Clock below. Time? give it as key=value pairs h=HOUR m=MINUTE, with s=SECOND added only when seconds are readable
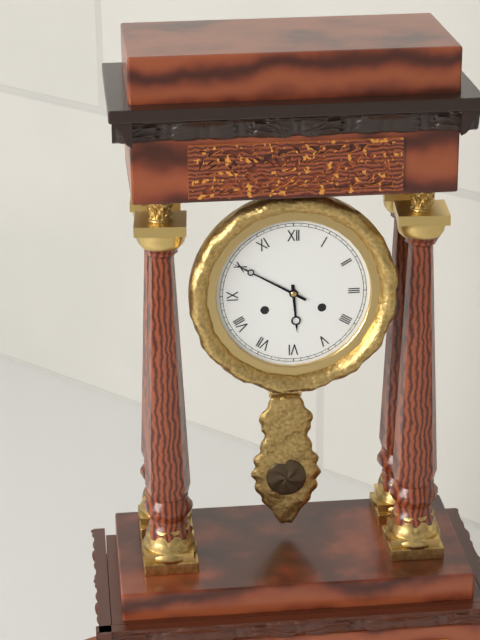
h=5 m=50
